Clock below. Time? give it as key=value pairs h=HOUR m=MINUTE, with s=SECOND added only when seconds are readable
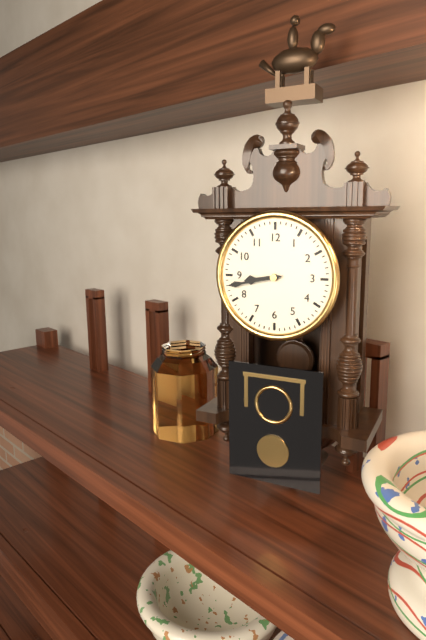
h=8 m=43
